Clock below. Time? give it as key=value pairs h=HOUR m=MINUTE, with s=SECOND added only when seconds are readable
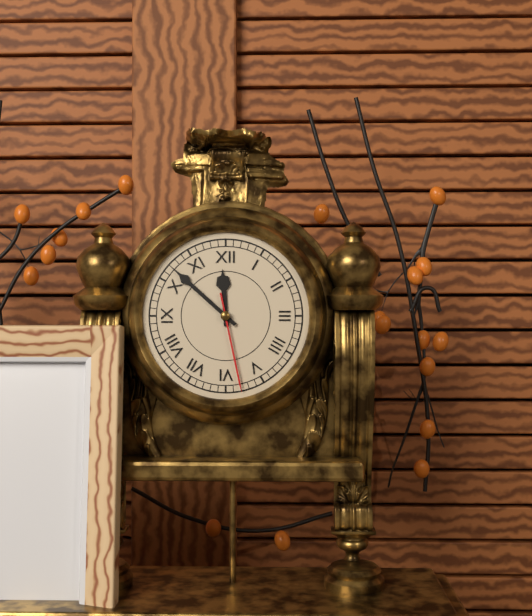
h=11 m=52 s=28
